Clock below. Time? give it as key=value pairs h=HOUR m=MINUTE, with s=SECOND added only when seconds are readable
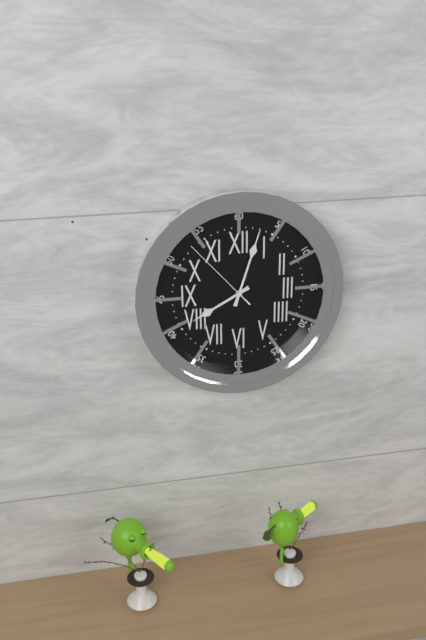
h=8 m=3 s=53
